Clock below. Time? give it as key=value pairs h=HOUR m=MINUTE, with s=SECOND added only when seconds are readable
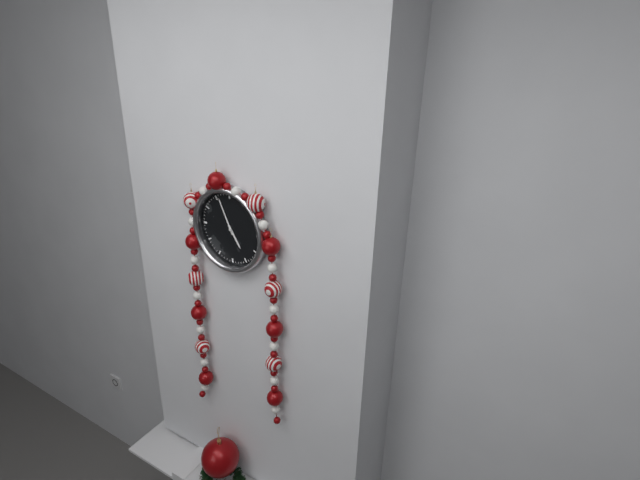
h=4 m=56
